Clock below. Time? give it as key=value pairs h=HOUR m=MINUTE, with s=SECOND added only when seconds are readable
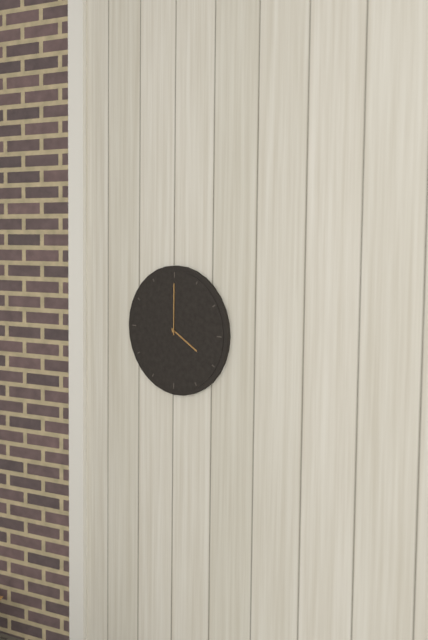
h=4 m=0
